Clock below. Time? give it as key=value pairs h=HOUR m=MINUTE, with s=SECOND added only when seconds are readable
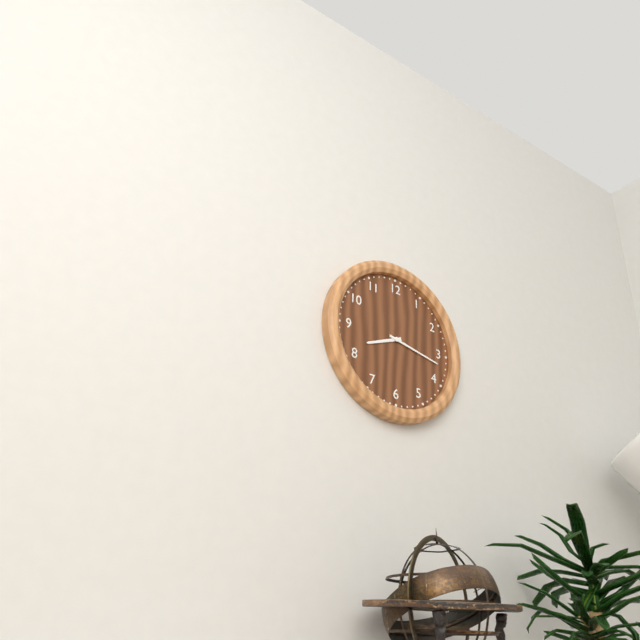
h=8 m=17
